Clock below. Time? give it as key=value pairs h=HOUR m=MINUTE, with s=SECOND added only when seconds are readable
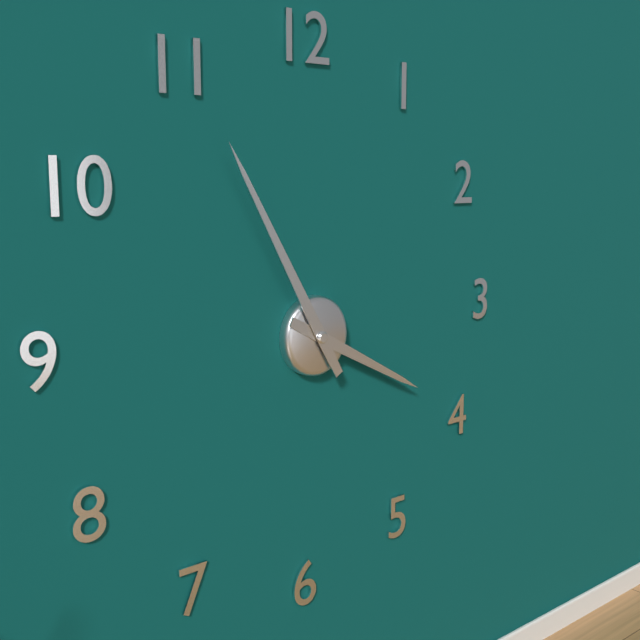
h=3 m=55
